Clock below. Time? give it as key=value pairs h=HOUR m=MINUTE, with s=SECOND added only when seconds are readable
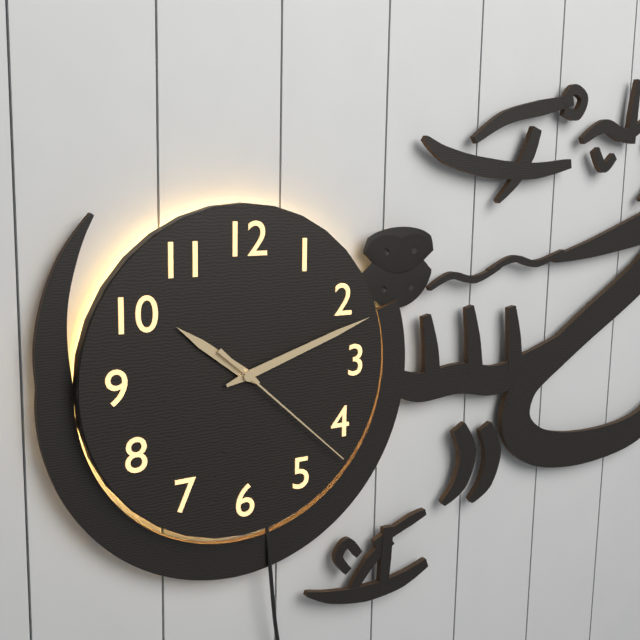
h=10 m=12 s=22
